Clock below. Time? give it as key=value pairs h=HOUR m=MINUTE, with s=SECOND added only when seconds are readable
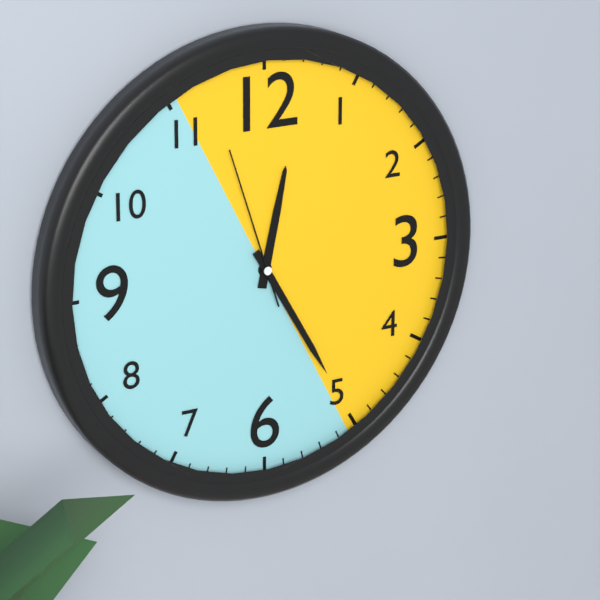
h=12 m=25 s=57
